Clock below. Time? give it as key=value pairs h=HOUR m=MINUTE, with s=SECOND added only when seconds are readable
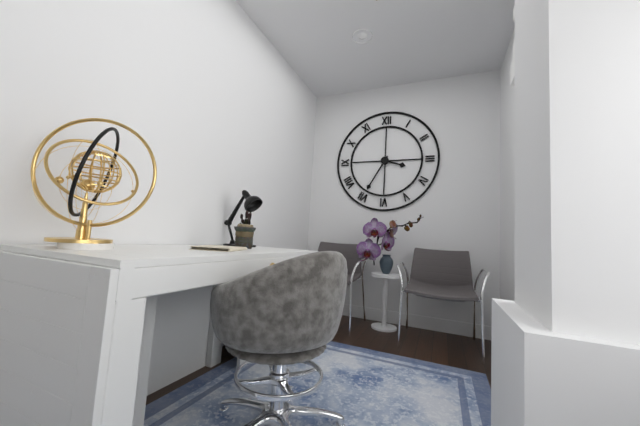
h=3 m=35
